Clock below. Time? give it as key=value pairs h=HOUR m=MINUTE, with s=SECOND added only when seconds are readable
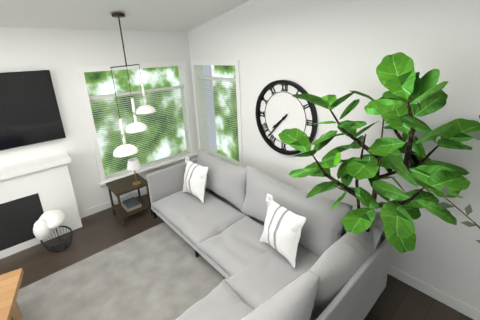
h=7 m=37
